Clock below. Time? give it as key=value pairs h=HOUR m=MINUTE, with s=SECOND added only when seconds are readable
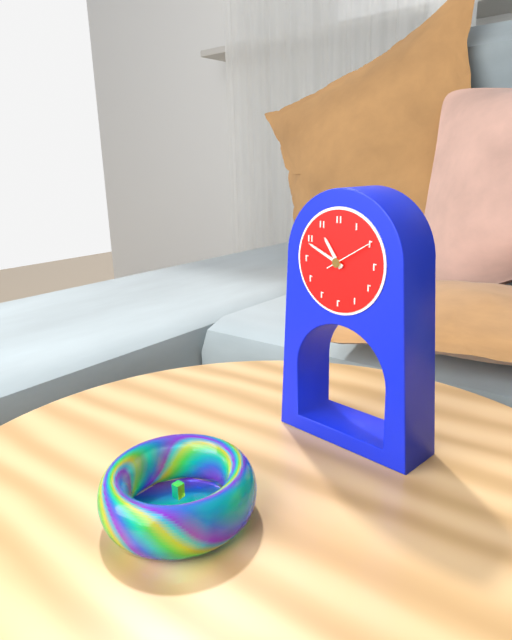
h=10 m=49 s=10
